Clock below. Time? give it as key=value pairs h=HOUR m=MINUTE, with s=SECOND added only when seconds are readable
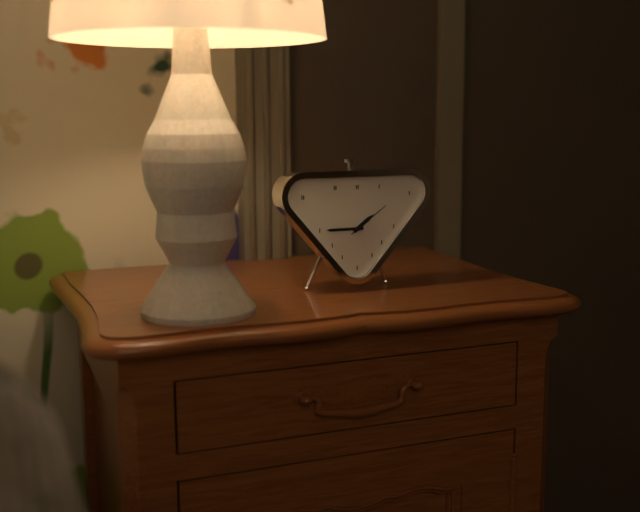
h=1 m=45
